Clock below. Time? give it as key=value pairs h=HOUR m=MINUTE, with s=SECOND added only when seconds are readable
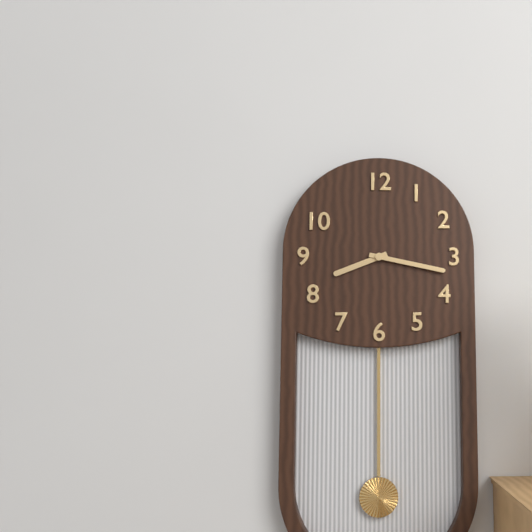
h=8 m=17
